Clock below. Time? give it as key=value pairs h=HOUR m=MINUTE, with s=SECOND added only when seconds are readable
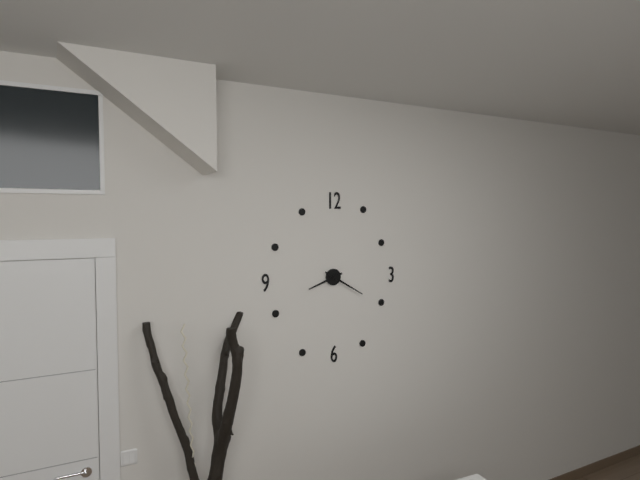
h=8 m=20
